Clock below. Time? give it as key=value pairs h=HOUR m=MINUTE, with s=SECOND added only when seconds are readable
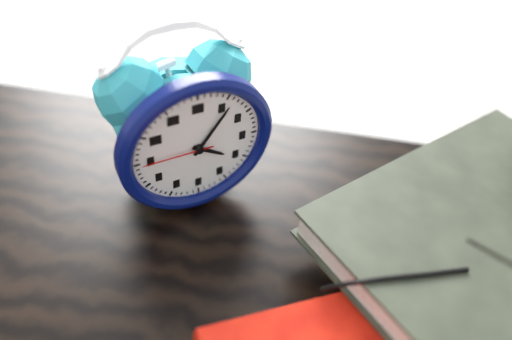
h=4 m=6 s=45
